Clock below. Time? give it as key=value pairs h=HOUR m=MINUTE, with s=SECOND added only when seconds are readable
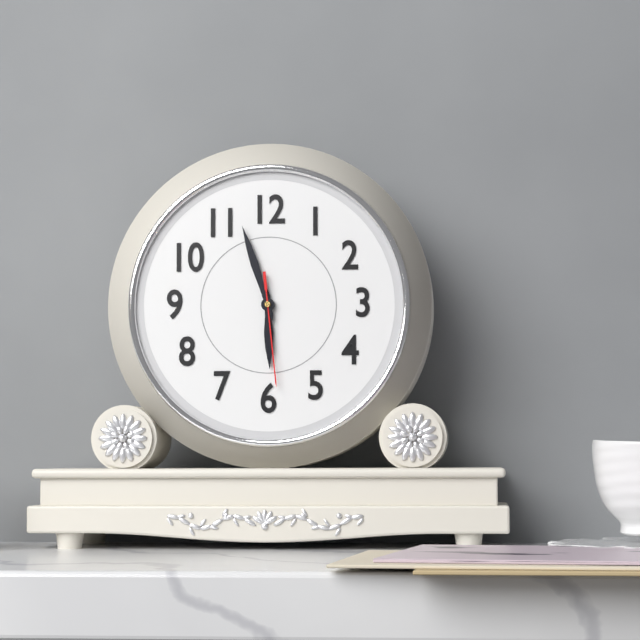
h=5 m=57 s=29
